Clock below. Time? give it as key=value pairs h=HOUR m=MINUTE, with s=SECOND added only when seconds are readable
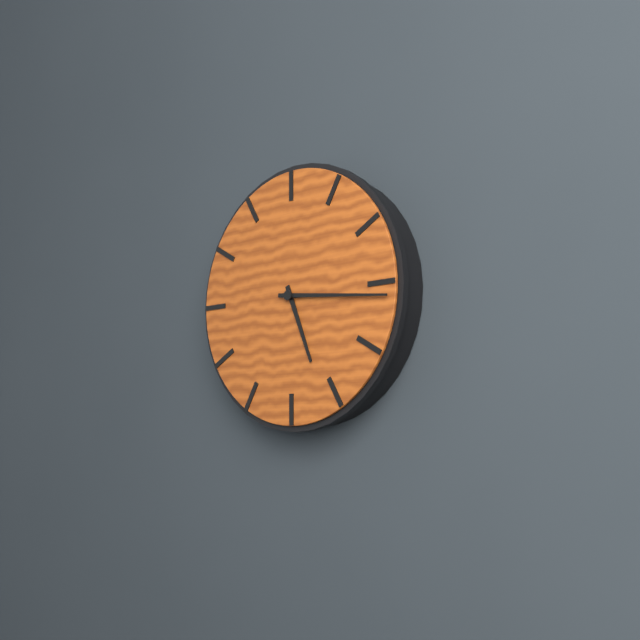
h=5 m=16
